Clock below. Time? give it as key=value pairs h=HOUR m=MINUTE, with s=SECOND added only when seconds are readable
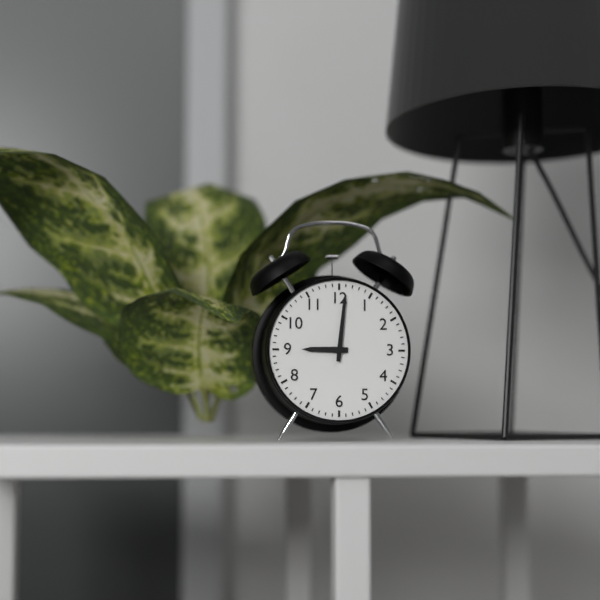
h=9 m=1
